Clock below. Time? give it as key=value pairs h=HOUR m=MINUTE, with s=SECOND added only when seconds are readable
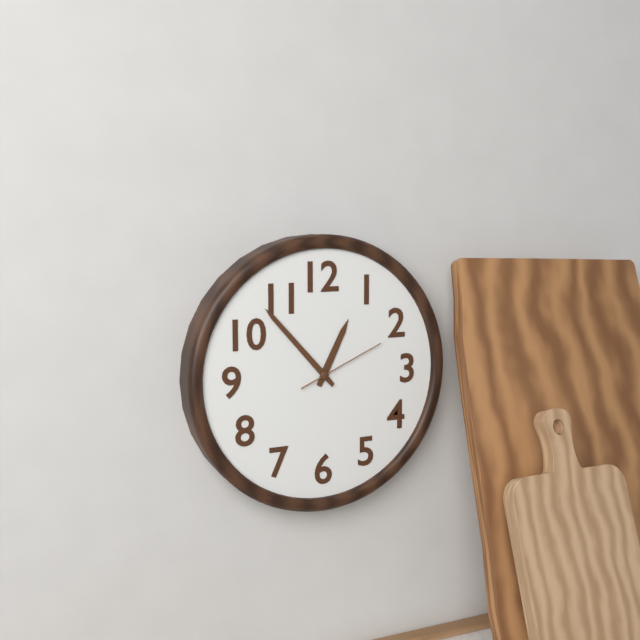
h=12 m=53 s=11
